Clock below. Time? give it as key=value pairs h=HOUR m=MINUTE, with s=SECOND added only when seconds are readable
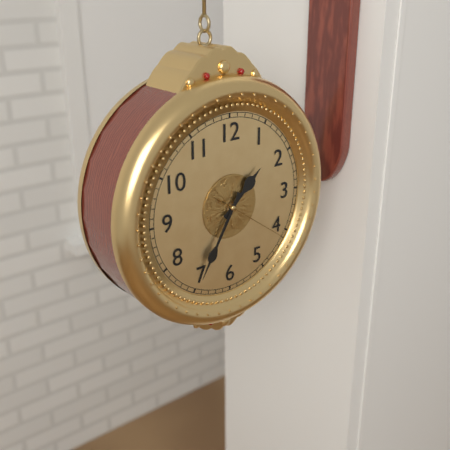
h=1 m=35 s=21
